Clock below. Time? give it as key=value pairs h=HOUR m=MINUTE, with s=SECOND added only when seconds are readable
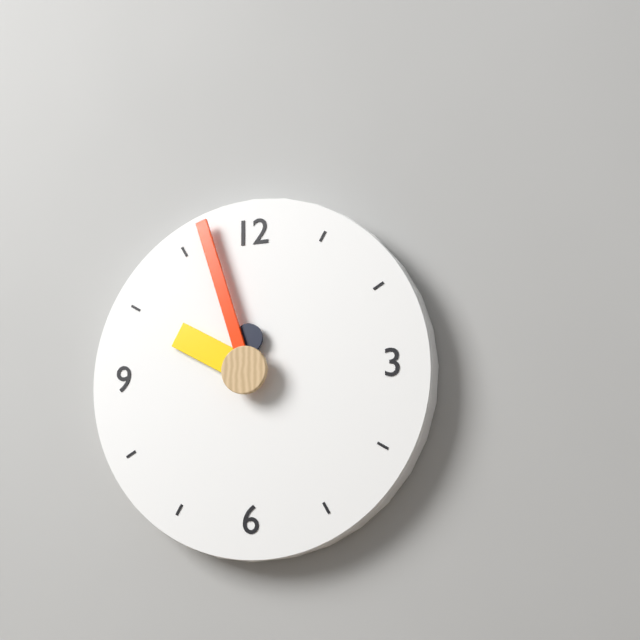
h=9 m=57
